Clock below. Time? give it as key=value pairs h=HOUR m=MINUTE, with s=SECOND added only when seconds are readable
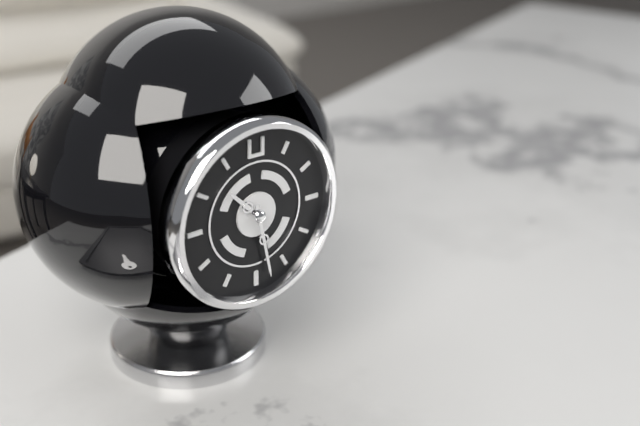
h=10 m=28
